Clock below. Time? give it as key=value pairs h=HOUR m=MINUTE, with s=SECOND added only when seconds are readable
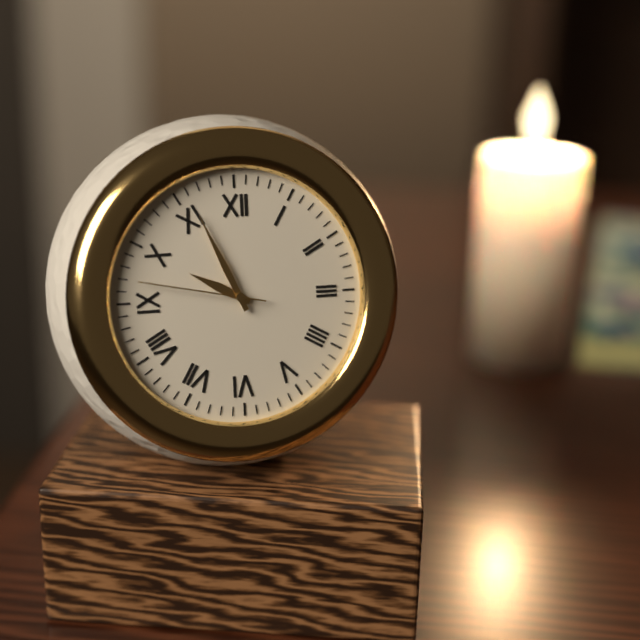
h=9 m=56 s=47
